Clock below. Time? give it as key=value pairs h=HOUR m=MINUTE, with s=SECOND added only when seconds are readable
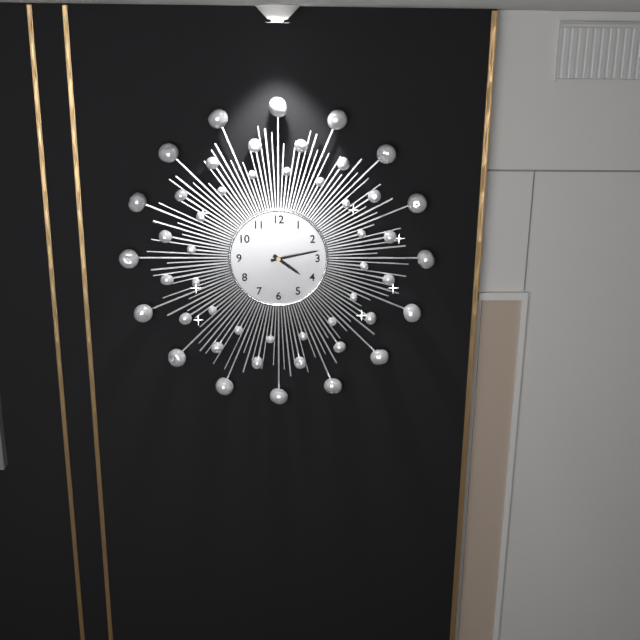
h=4 m=13
